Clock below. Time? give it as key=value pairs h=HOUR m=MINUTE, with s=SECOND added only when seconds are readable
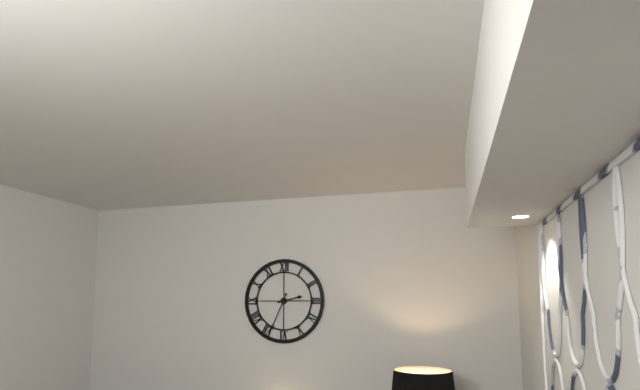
h=2 m=34
